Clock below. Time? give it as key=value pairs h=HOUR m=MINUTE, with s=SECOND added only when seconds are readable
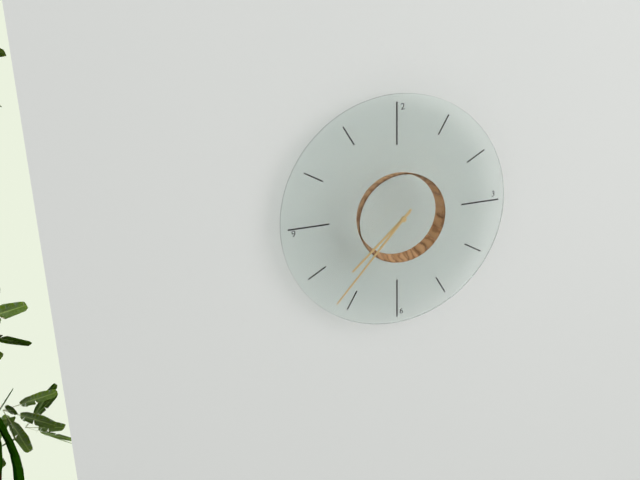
h=7 m=37
